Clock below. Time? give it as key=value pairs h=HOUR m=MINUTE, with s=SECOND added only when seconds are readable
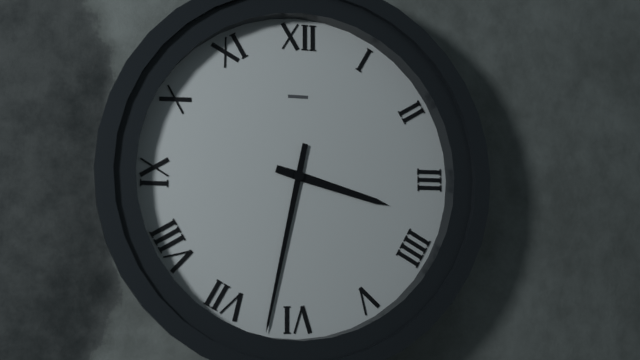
h=3 m=32
